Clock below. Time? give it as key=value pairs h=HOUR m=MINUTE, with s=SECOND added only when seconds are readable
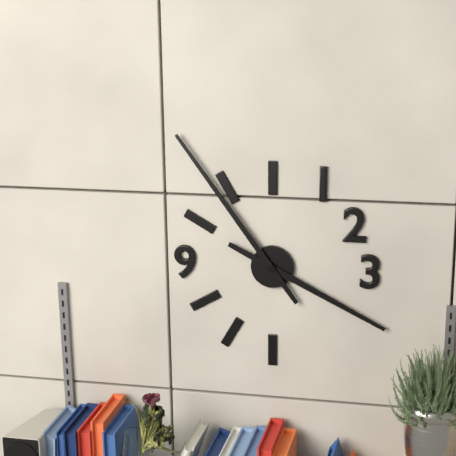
h=3 m=54
